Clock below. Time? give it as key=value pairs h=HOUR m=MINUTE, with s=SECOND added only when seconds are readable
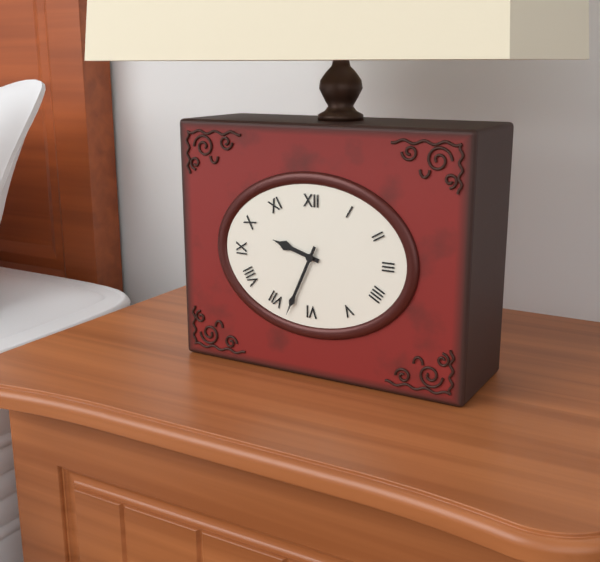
h=9 m=34
